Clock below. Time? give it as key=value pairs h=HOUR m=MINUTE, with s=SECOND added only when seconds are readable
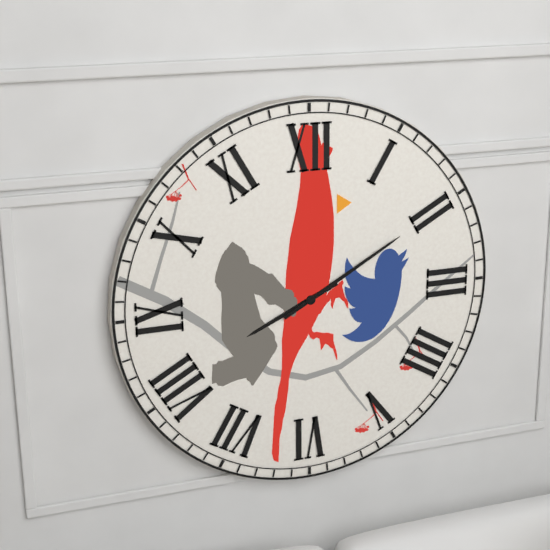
h=8 m=10
